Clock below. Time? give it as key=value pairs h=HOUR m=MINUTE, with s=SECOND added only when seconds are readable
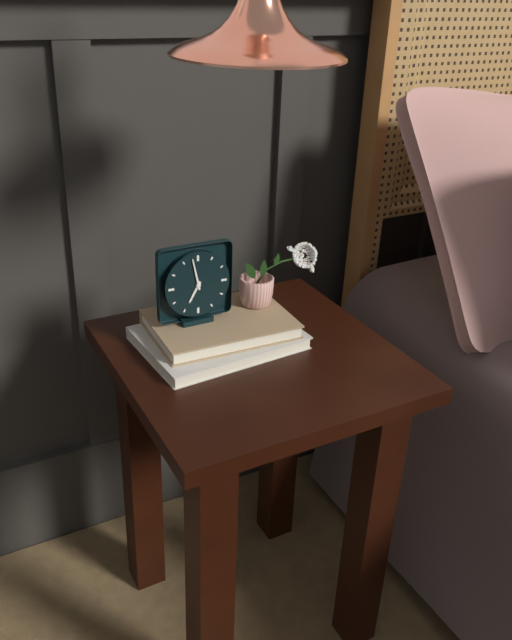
h=6 m=58
